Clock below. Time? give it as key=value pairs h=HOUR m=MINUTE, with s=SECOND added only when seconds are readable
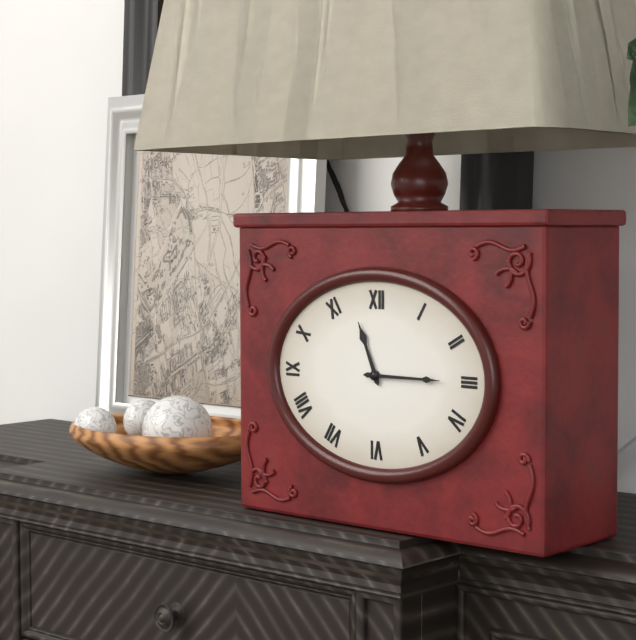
h=11 m=15
